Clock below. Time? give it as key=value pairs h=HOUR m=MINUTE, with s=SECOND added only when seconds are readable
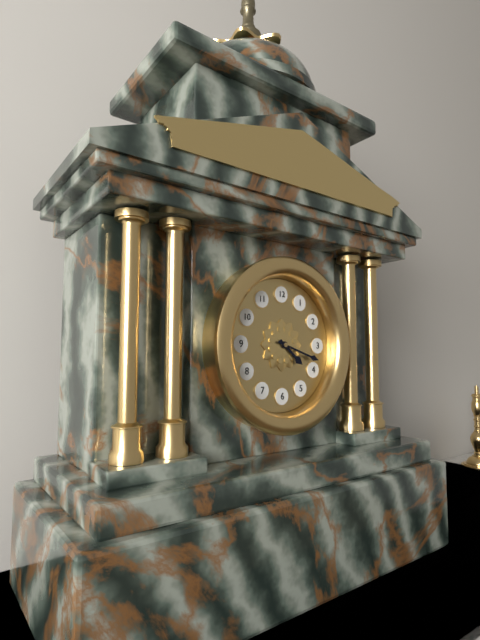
h=4 m=18
